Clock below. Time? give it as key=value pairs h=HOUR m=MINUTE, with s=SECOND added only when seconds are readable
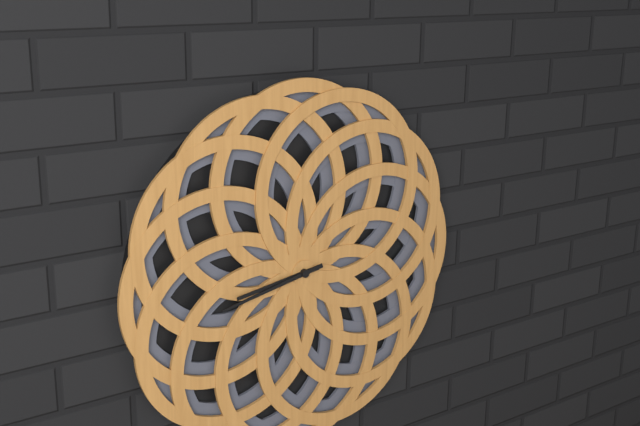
h=8 m=43
